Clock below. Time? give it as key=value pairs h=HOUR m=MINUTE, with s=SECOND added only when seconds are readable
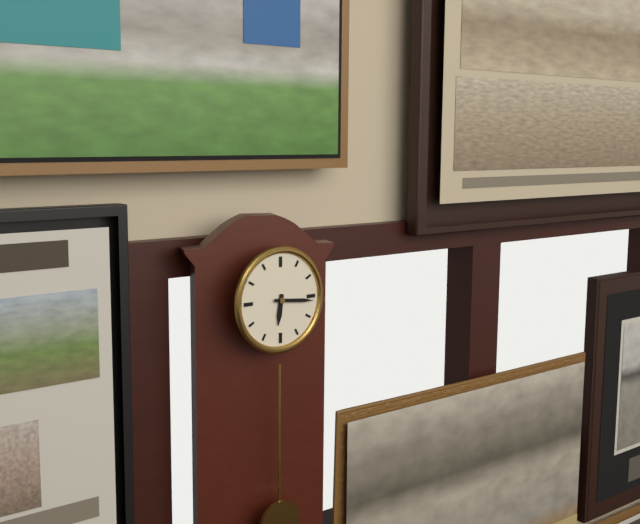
h=6 m=16
